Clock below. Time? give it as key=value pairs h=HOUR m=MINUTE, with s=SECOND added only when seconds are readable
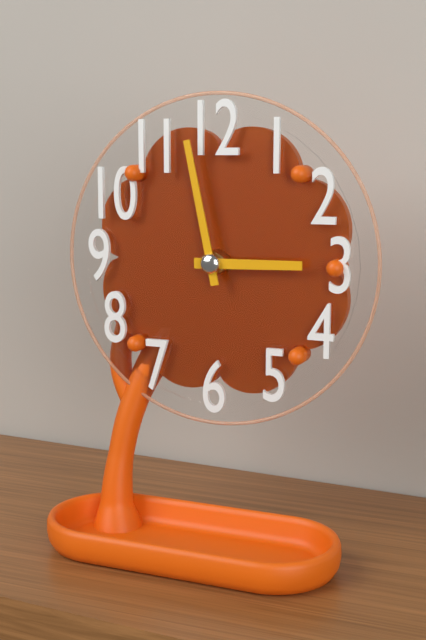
h=2 m=58
